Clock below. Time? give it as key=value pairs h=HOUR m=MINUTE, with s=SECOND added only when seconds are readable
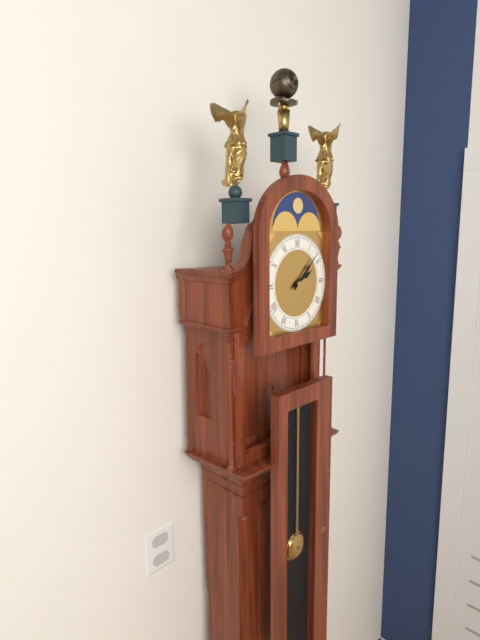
h=2 m=8
